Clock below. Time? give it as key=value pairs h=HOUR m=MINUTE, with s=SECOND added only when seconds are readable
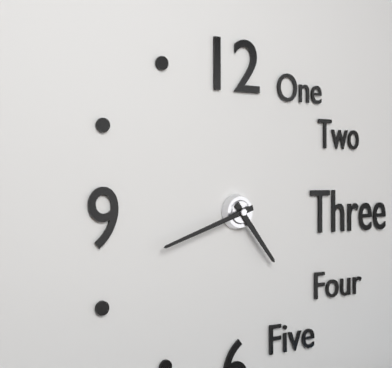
h=4 m=42
